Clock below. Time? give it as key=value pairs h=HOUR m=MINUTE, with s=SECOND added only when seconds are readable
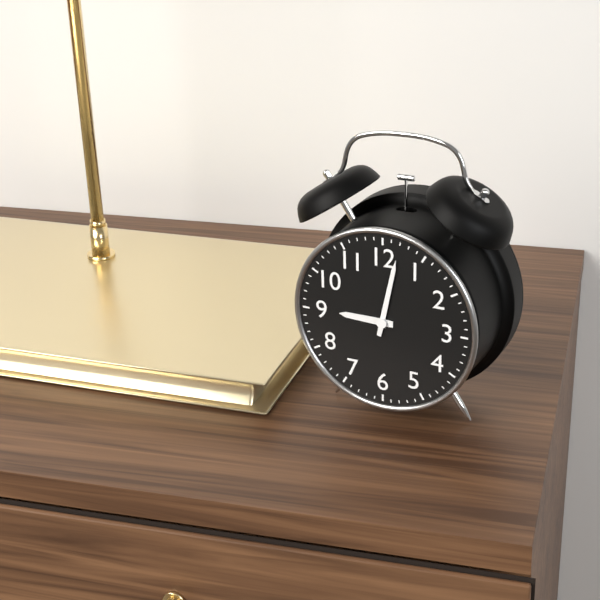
h=9 m=2
